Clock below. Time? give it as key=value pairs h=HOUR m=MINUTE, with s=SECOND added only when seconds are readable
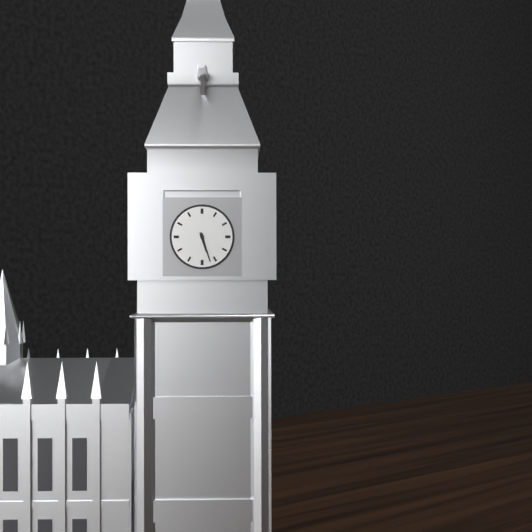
h=5 m=27
